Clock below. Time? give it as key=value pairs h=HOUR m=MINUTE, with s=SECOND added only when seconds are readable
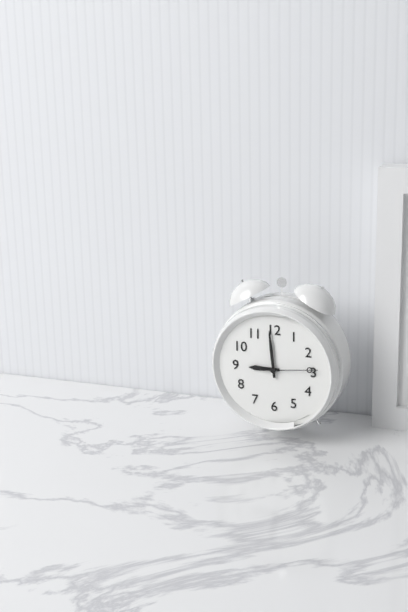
h=8 m=59 s=14
